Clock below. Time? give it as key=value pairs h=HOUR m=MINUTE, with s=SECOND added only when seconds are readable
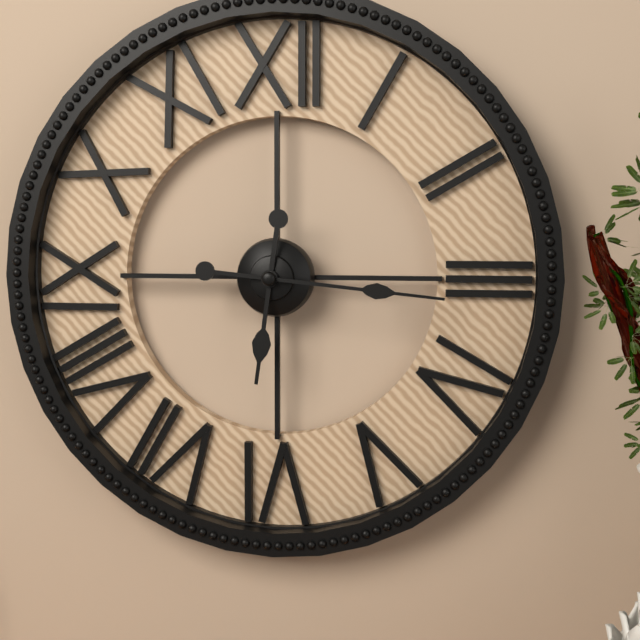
h=6 m=16
